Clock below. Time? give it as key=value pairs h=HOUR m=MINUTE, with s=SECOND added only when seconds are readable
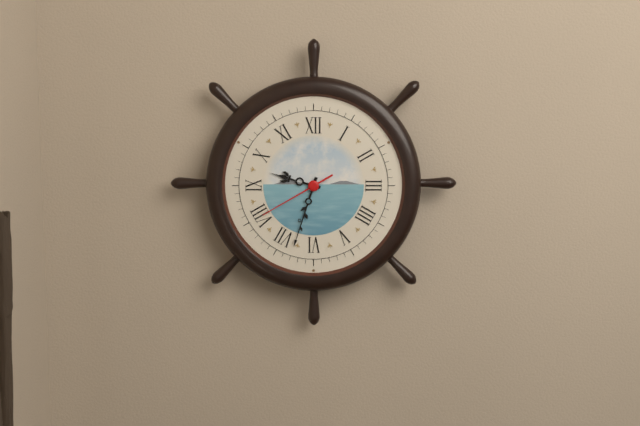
h=9 m=33 s=40
